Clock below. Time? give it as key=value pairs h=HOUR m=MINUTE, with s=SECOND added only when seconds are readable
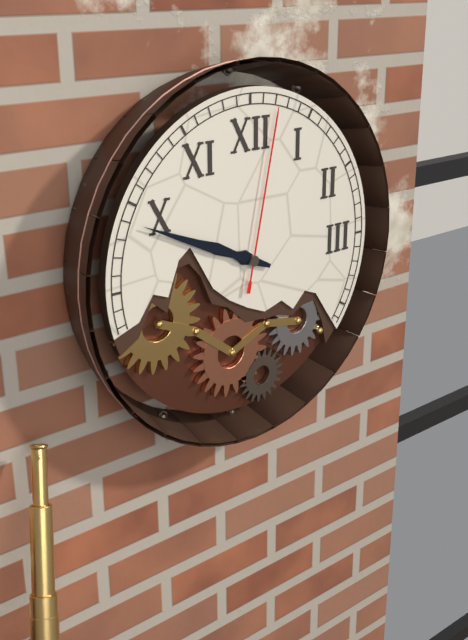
h=9 m=49 s=2
